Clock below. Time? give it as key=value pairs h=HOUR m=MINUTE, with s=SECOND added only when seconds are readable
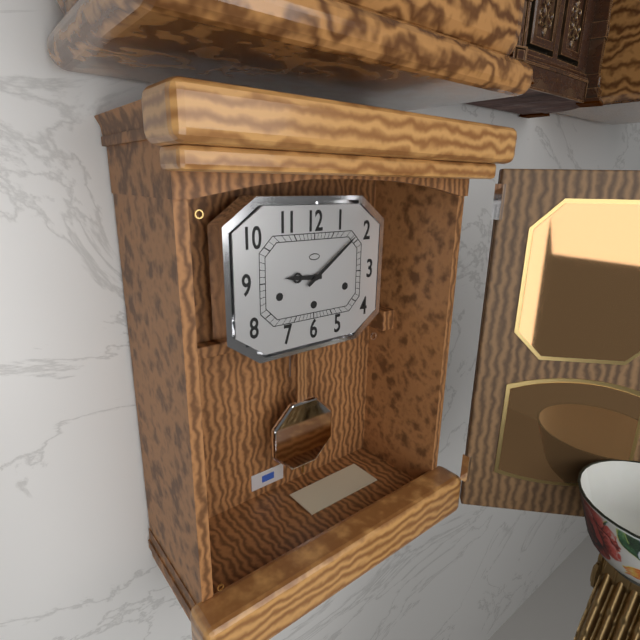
h=9 m=9
